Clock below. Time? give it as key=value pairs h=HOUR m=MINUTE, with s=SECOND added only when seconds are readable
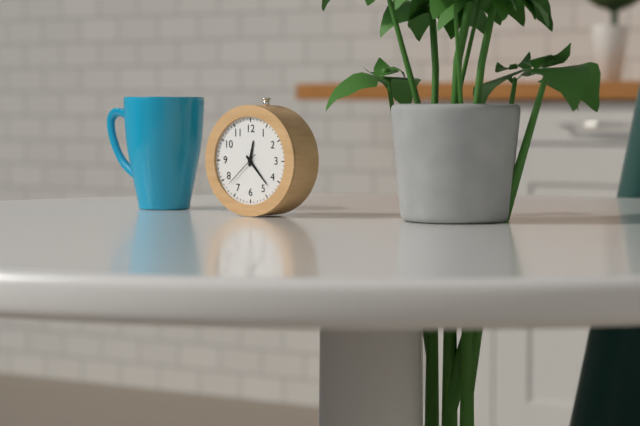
h=12 m=23
